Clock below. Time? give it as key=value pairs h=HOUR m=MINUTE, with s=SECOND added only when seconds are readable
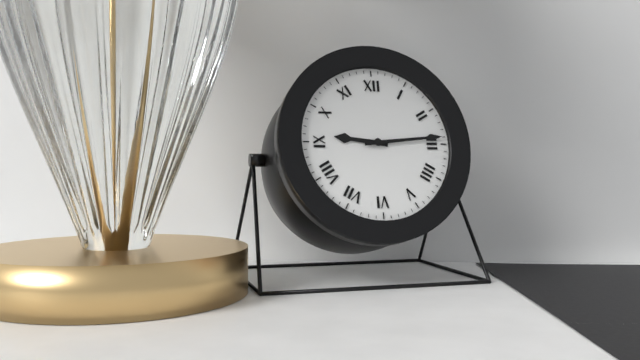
h=9 m=14
